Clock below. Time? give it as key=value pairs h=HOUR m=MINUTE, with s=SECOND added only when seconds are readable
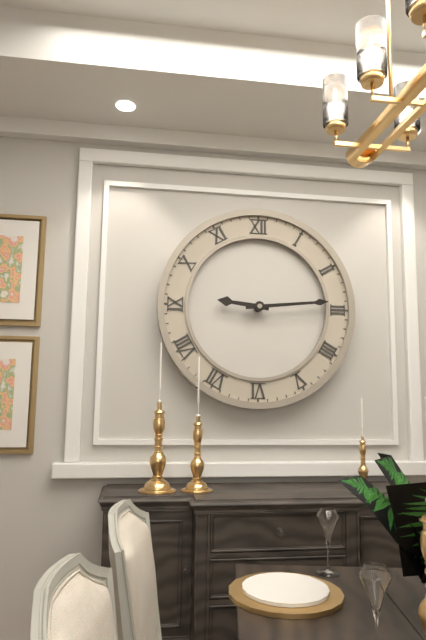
h=9 m=14
